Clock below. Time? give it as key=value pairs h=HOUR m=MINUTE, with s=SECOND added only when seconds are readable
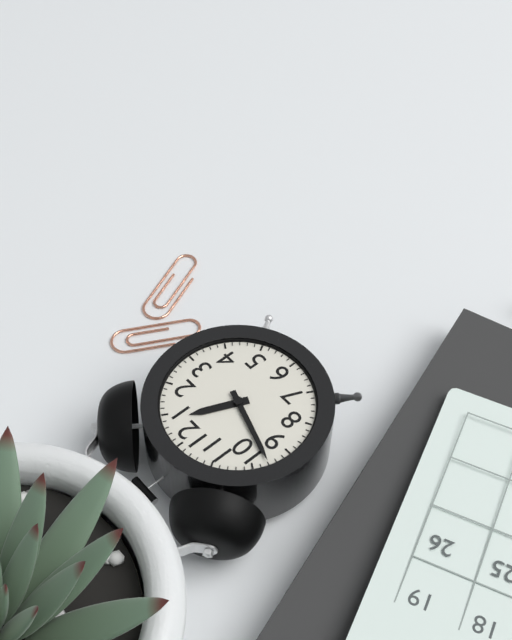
h=12 m=48
